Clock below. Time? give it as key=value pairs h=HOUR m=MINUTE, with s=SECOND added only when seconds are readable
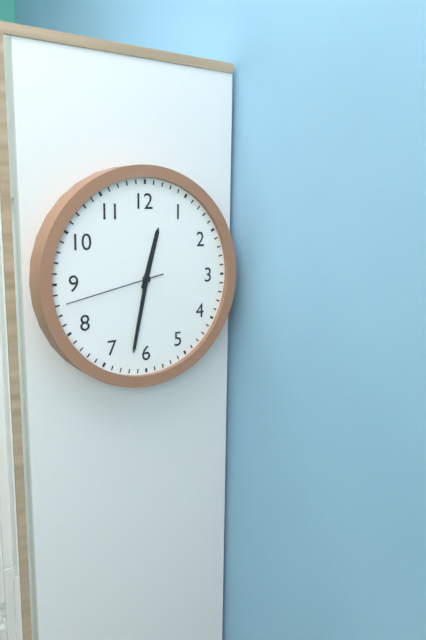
h=12 m=32 s=43
